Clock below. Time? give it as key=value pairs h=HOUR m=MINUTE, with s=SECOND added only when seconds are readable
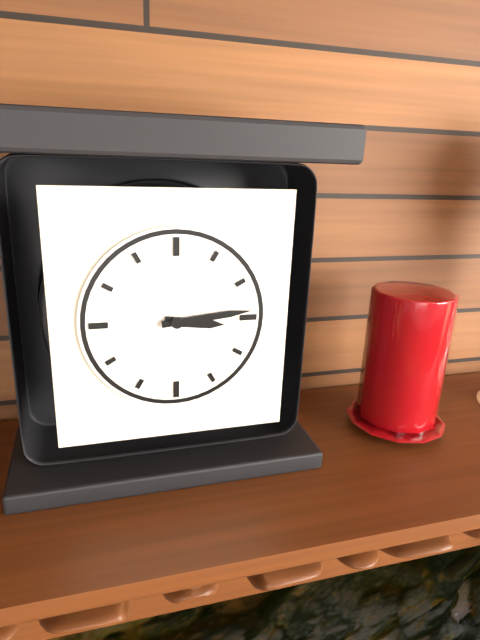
h=3 m=14
